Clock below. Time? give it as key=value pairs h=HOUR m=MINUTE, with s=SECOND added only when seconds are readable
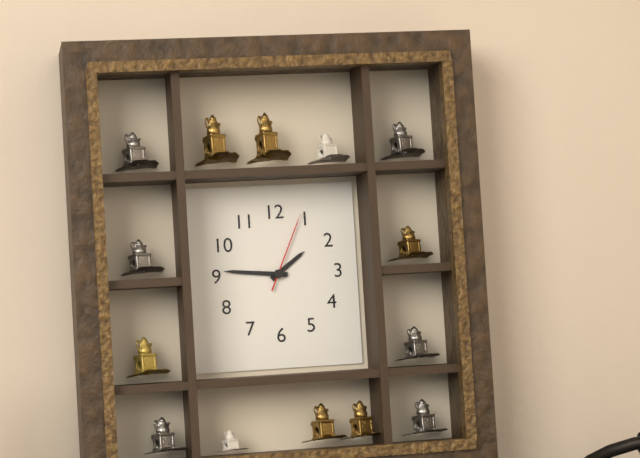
h=1 m=46 s=4
